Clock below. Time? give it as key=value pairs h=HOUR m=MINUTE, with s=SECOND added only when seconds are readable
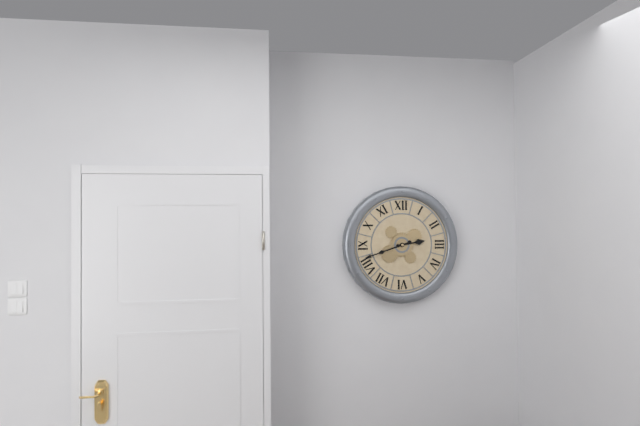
h=2 m=42
